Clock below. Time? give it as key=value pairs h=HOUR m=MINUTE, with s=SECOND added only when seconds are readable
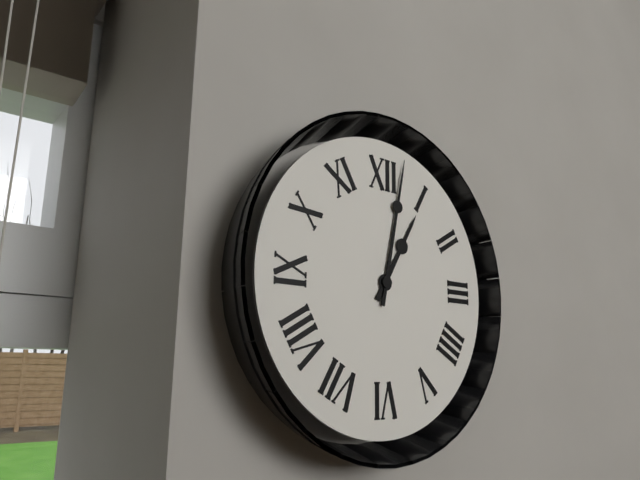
h=1 m=2
